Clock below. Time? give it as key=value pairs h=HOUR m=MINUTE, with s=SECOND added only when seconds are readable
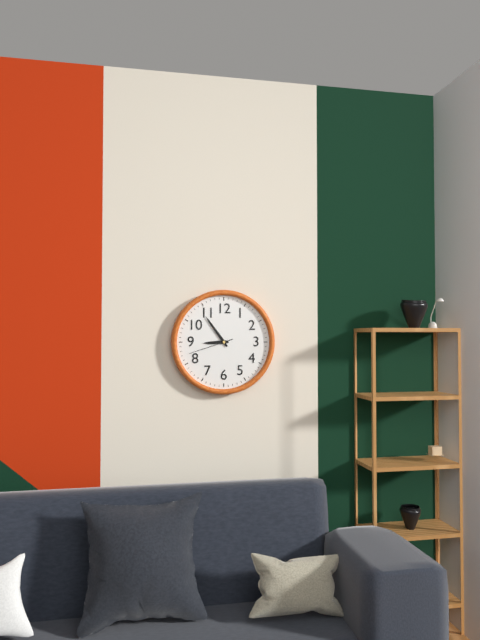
h=8 m=54
